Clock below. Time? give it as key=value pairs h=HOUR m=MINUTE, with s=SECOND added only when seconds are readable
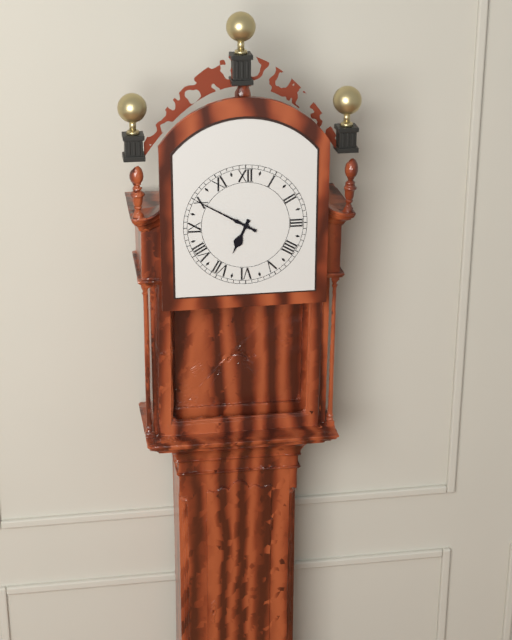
h=6 m=50
